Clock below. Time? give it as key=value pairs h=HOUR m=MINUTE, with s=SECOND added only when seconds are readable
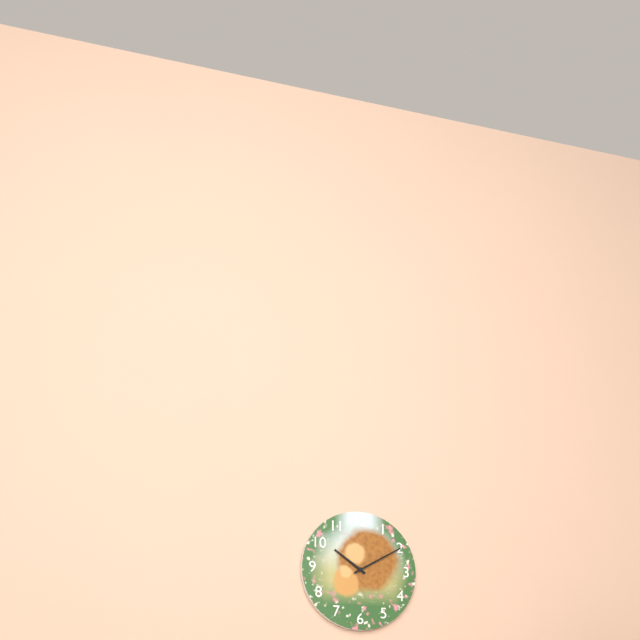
h=10 m=10
